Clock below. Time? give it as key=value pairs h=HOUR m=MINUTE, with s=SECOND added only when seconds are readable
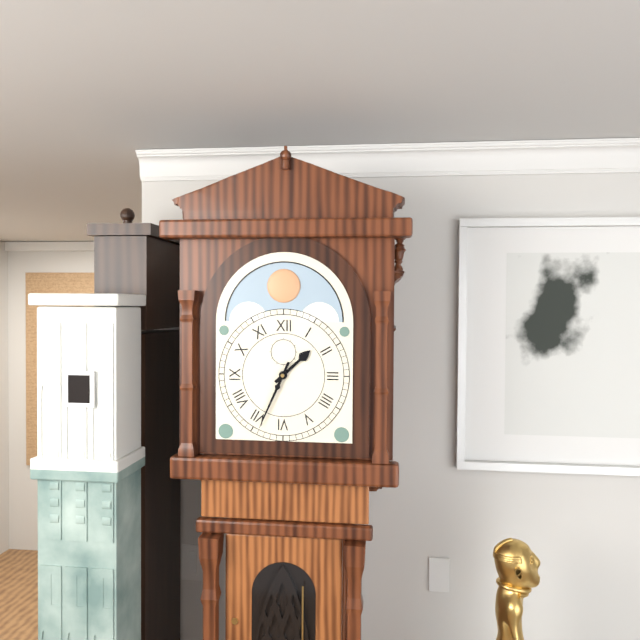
h=1 m=34
